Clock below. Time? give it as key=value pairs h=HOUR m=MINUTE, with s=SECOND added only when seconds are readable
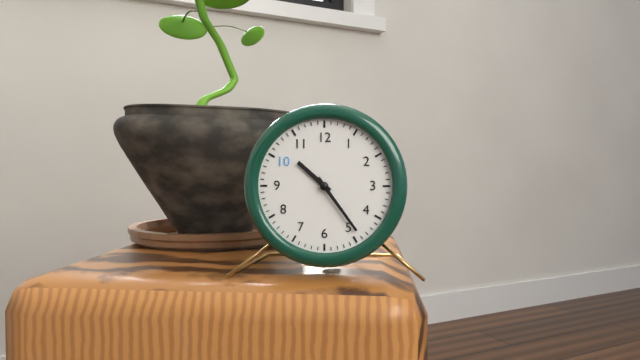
h=10 m=24
